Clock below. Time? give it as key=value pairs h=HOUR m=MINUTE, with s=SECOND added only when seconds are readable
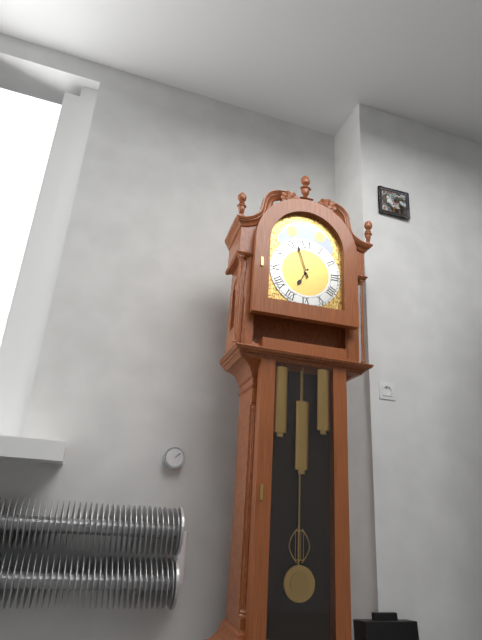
h=6 m=57
